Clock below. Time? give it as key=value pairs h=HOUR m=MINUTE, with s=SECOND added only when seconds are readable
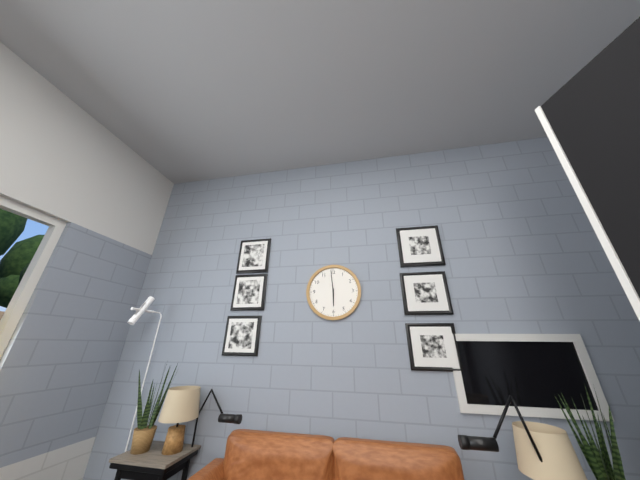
h=5 m=59
